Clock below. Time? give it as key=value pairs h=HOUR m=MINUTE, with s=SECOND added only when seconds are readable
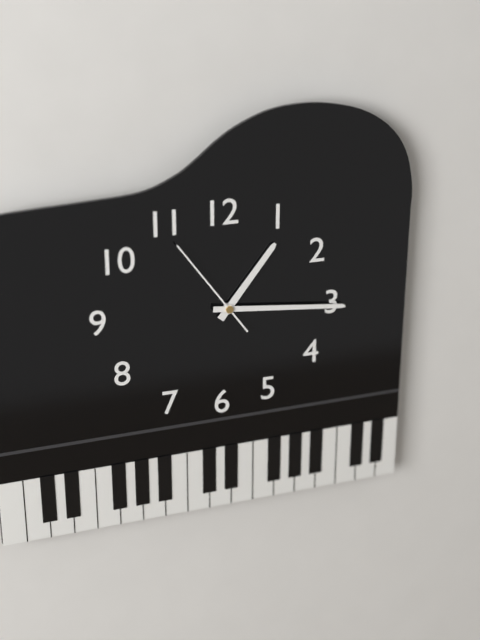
h=1 m=16 s=54
